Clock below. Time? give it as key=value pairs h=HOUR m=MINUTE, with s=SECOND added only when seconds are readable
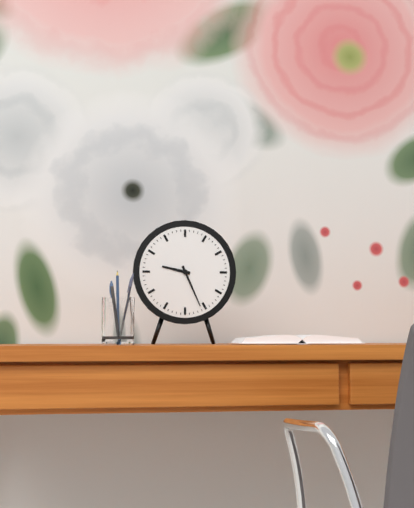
h=9 m=26
